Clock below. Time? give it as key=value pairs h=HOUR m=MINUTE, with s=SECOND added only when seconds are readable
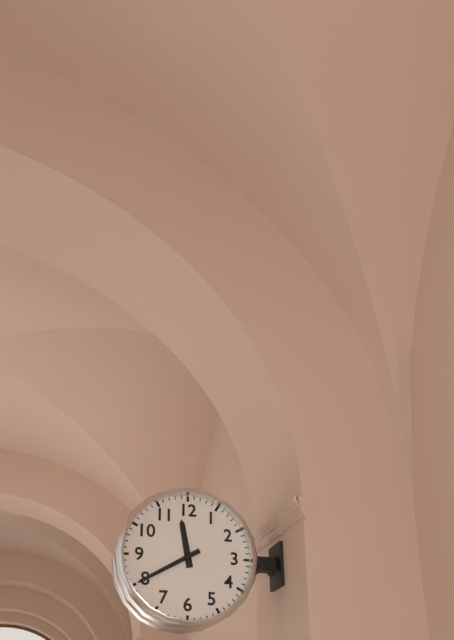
h=11 m=40
